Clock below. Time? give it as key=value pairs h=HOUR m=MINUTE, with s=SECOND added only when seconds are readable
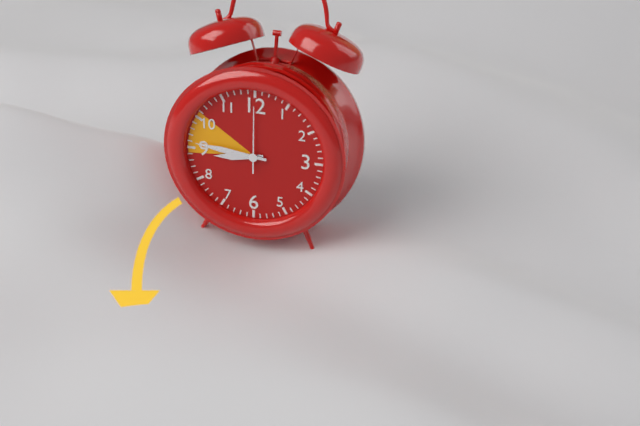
h=8 m=46 s=0
